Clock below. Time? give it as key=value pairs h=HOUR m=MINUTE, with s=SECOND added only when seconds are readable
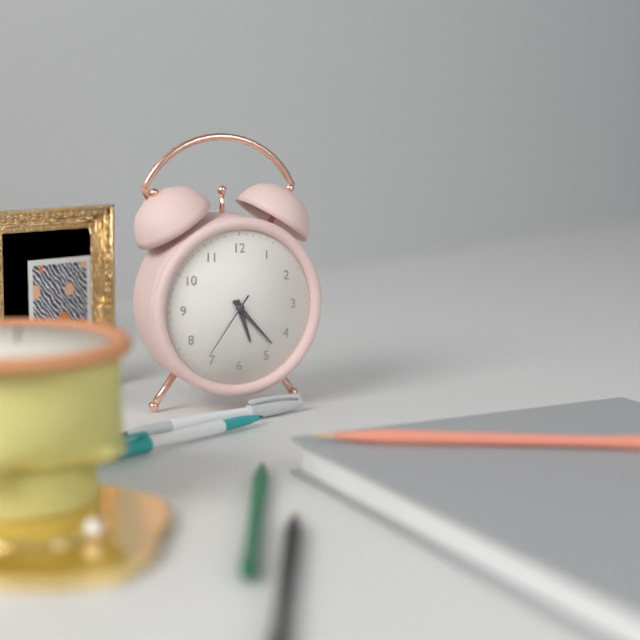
h=5 m=23 s=36
